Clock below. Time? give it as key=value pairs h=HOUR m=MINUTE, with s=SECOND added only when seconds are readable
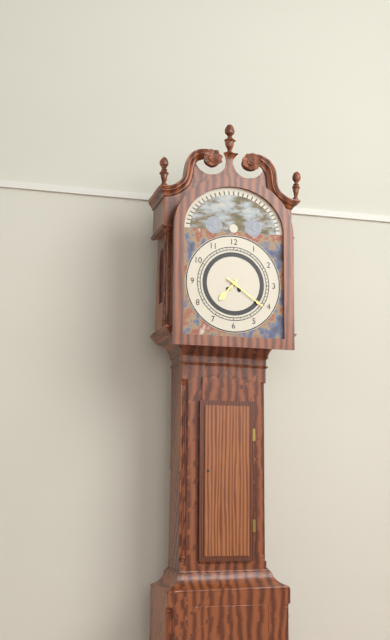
h=7 m=21
